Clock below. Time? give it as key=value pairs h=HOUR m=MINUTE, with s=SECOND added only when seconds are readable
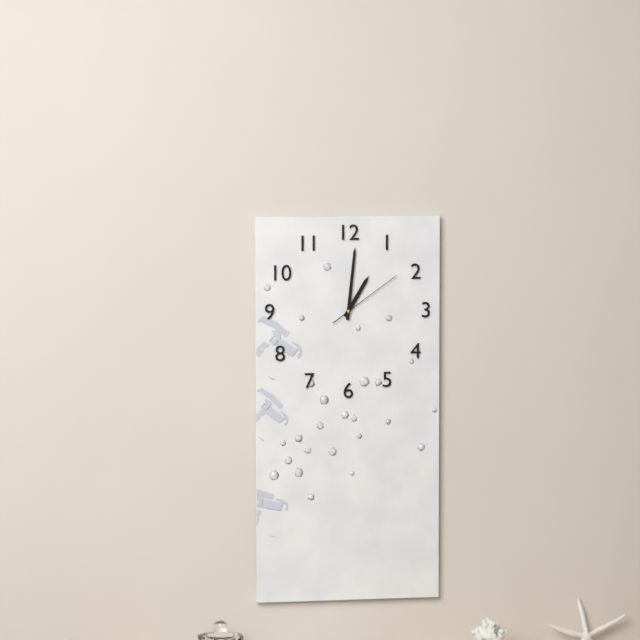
h=1 m=1 s=9
